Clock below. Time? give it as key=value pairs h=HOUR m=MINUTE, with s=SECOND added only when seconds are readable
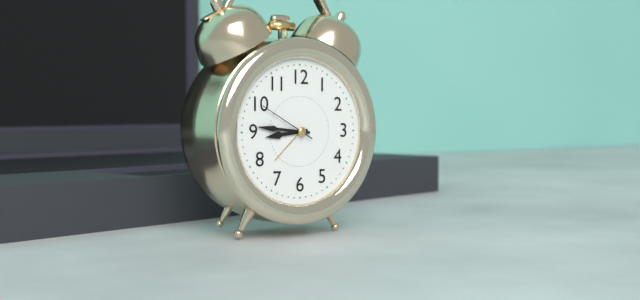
h=8 m=46 s=50
